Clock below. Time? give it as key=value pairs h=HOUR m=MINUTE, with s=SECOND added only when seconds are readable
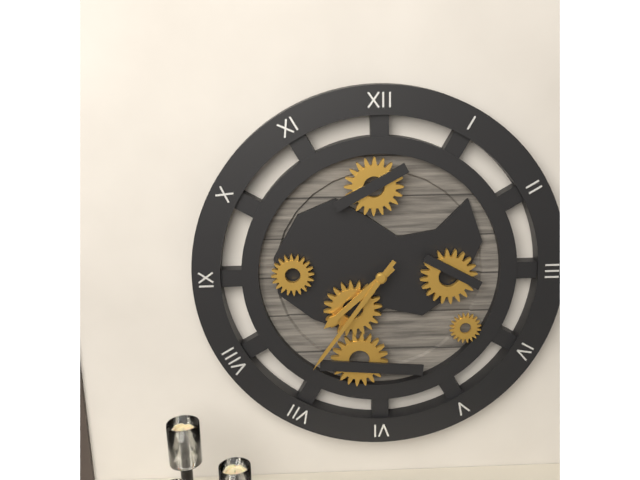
h=7 m=36
